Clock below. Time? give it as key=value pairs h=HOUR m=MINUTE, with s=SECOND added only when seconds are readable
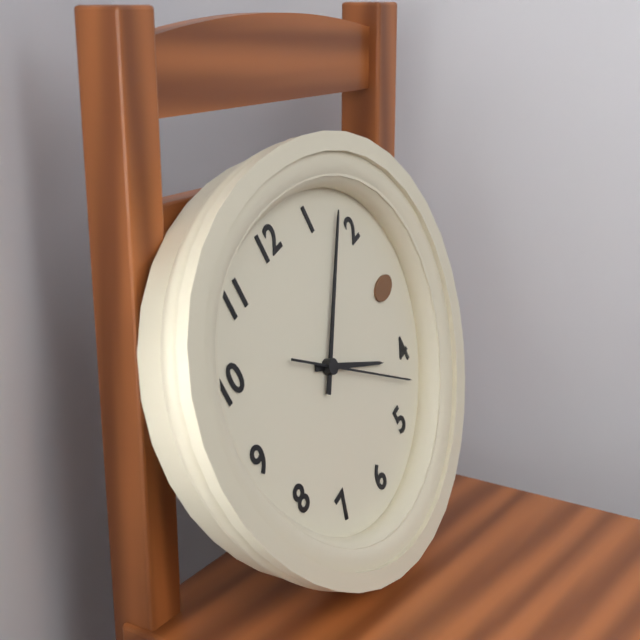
h=4 m=8 s=22
